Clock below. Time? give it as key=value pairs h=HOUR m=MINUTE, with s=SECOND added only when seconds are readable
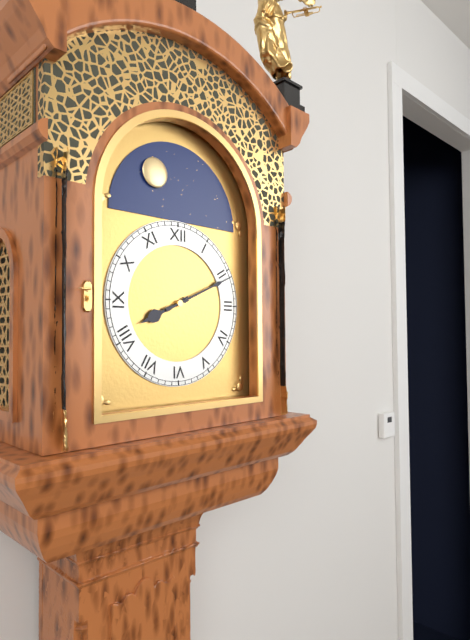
h=8 m=11
